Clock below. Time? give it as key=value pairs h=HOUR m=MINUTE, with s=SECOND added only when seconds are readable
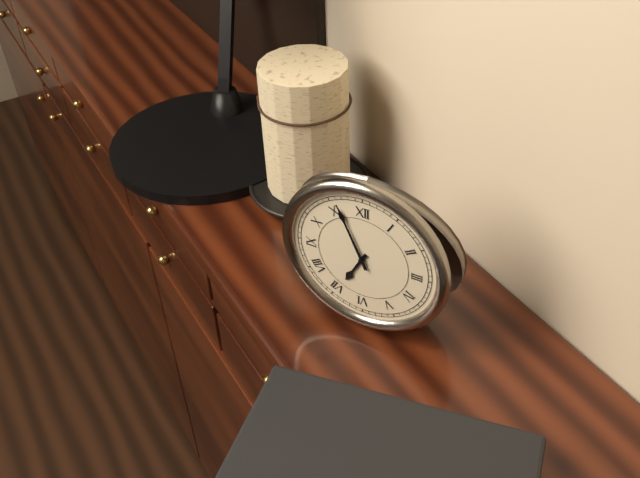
h=6 m=56
